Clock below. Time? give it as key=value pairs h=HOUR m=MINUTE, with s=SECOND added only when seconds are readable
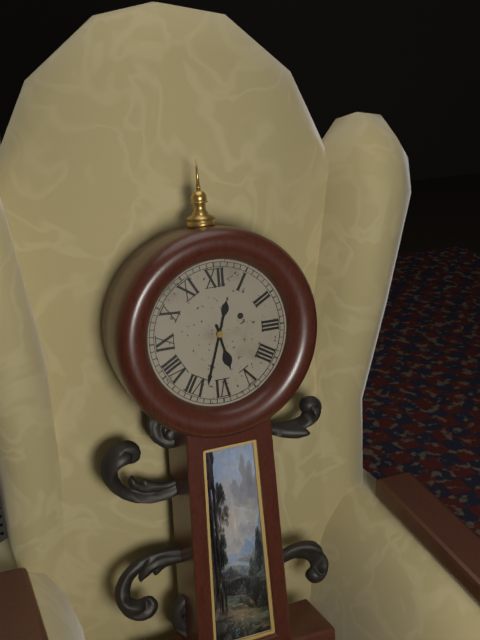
h=5 m=33
